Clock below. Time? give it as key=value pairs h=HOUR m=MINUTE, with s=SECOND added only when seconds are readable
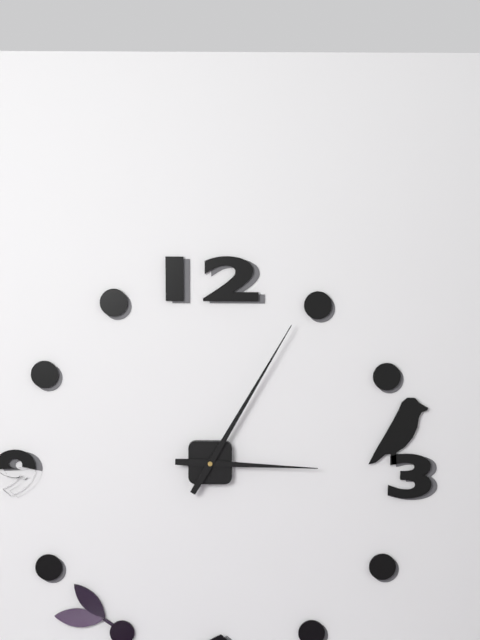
h=3 m=5
